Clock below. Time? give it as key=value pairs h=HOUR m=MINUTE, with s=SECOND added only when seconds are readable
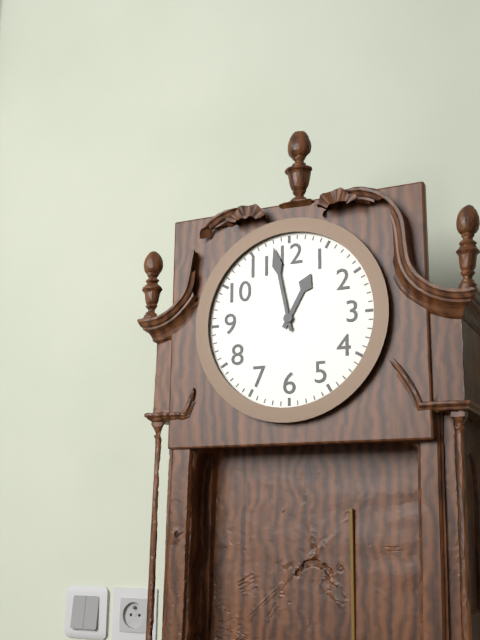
h=12 m=58
